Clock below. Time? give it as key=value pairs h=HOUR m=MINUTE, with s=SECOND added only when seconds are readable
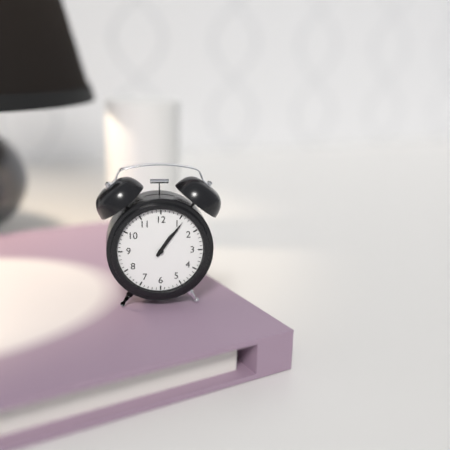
h=1 m=6
